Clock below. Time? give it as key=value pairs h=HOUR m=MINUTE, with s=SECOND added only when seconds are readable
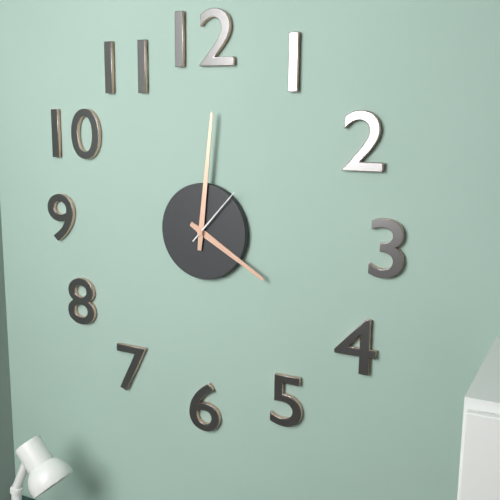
h=4 m=1 s=7
